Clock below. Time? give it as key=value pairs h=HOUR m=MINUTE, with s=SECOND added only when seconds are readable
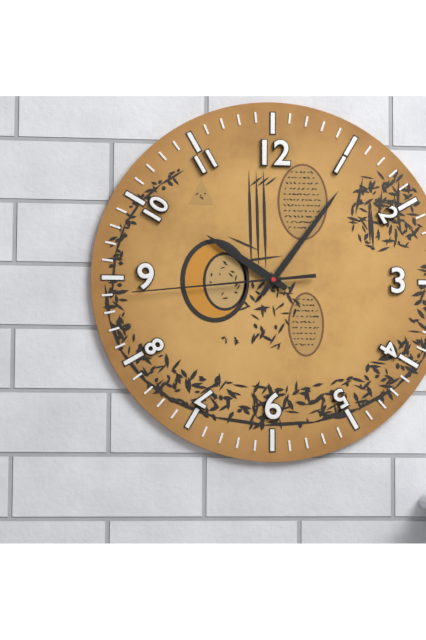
h=10 m=6 s=44
